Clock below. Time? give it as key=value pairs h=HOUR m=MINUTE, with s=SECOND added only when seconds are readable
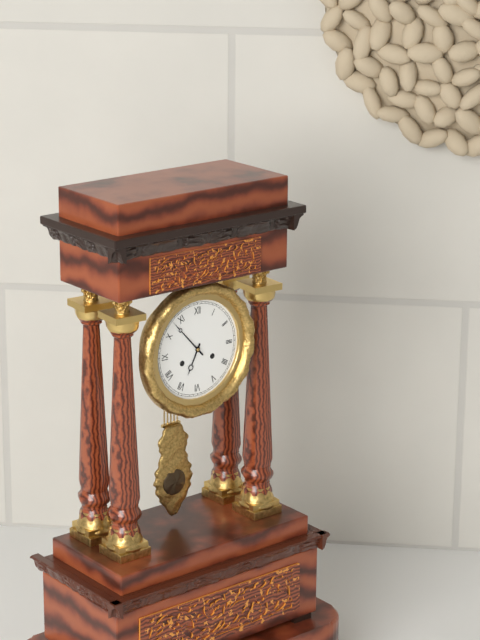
h=6 m=53
